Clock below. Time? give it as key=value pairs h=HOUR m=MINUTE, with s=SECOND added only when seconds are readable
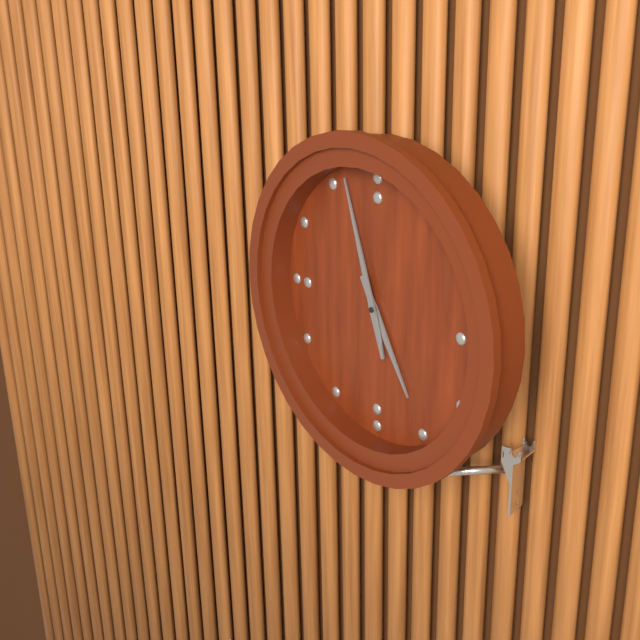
h=4 m=57
